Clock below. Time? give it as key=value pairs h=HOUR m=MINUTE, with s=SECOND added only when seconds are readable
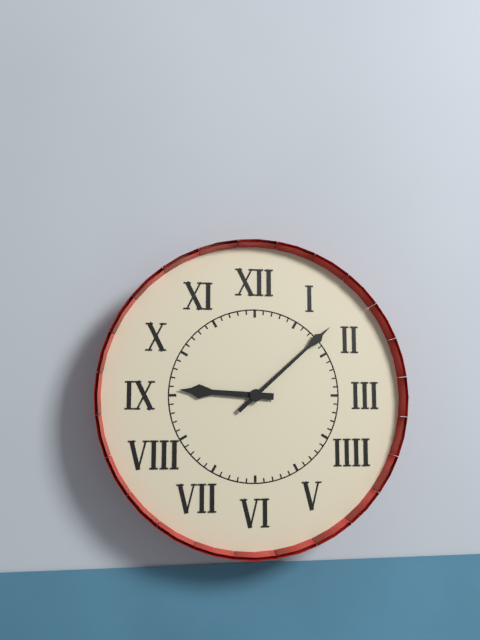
h=9 m=8
